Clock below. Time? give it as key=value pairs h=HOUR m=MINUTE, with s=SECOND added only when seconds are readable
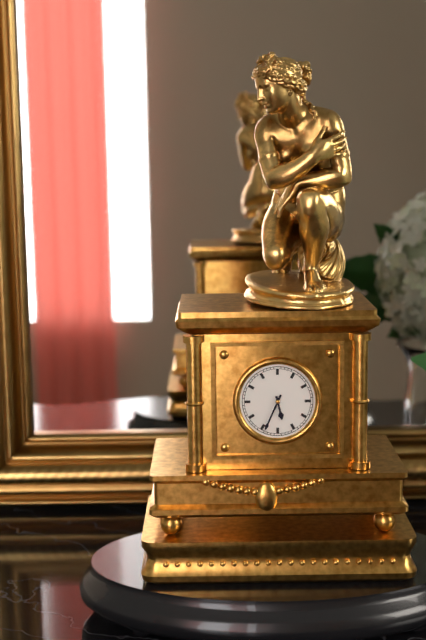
h=5 m=34
